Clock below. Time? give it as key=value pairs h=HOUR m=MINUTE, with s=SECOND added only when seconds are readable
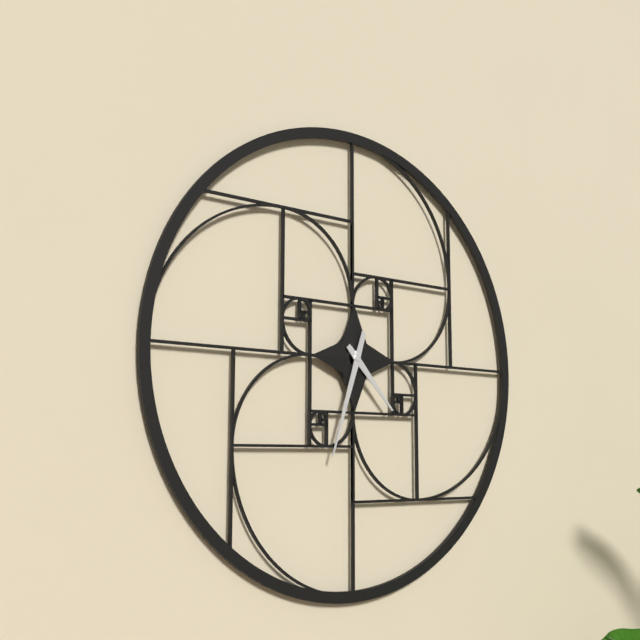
h=4 m=33
